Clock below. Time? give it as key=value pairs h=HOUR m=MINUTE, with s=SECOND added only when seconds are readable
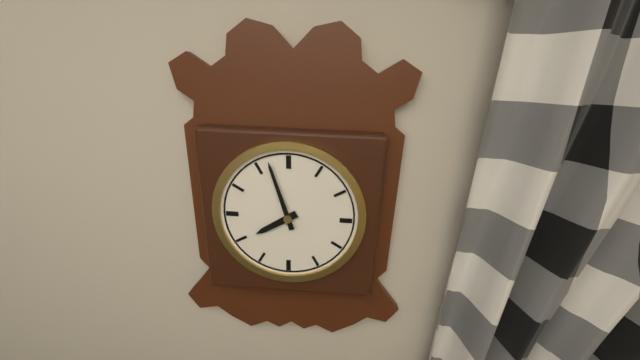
h=7 m=57
